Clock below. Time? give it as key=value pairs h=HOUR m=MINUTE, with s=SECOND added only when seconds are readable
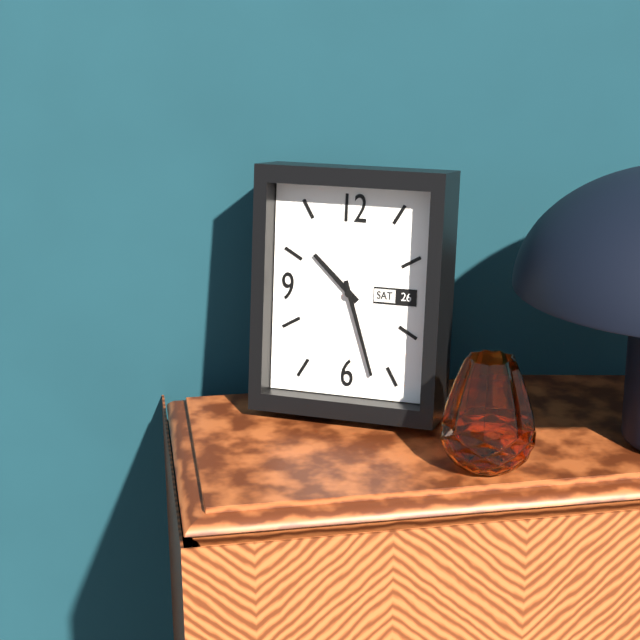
h=10 m=27
